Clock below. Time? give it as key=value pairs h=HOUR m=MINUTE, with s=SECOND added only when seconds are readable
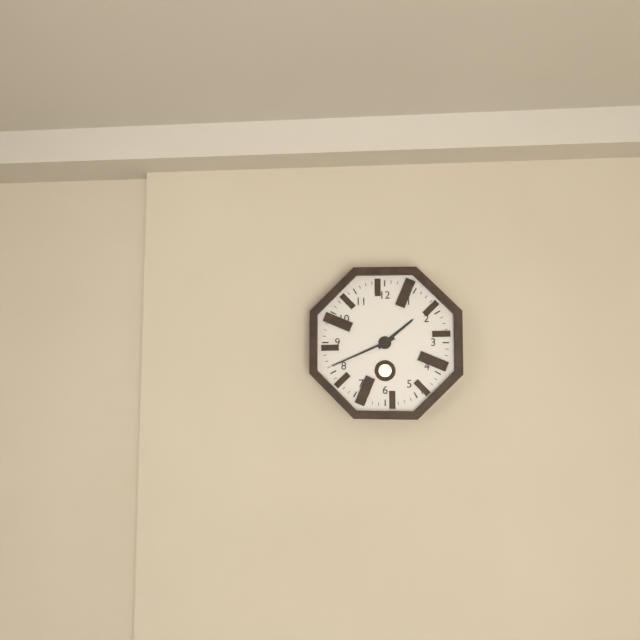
h=1 m=41
